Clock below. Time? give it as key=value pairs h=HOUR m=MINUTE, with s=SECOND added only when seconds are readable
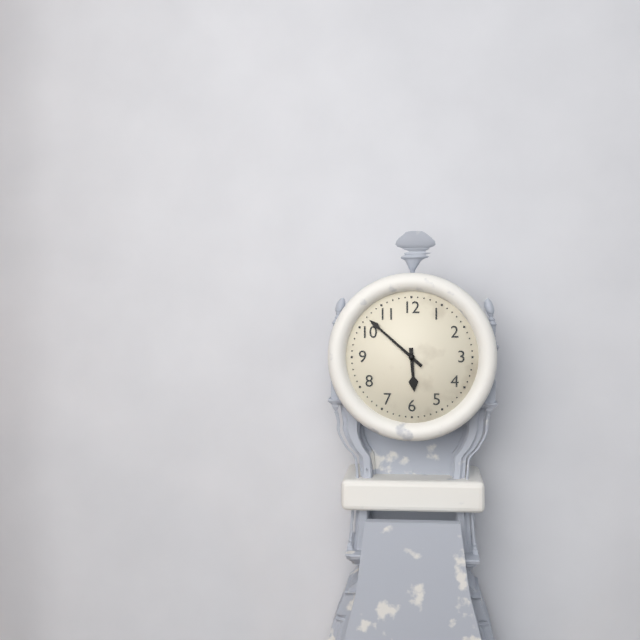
h=5 m=52
